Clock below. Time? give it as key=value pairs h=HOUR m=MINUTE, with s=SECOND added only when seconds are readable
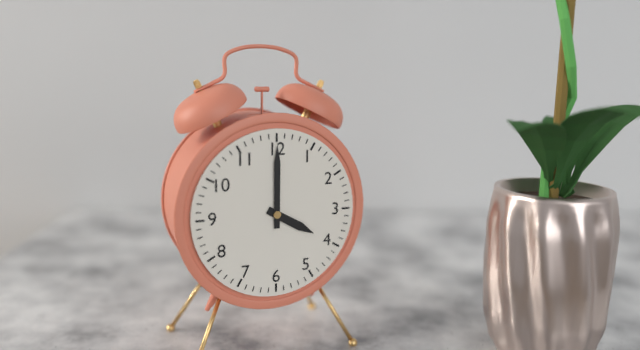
h=4 m=0
